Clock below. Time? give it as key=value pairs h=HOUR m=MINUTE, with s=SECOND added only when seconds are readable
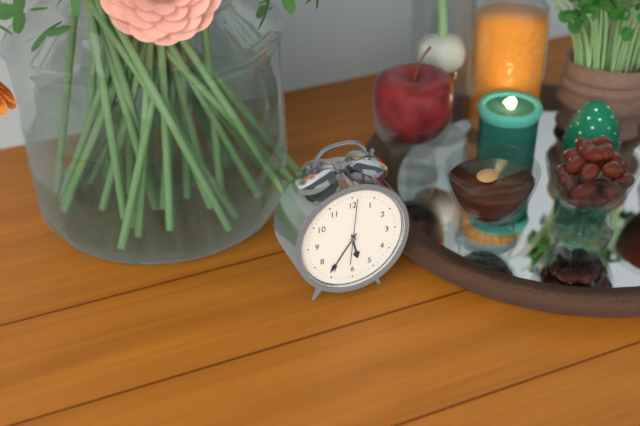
h=5 m=36 s=1
